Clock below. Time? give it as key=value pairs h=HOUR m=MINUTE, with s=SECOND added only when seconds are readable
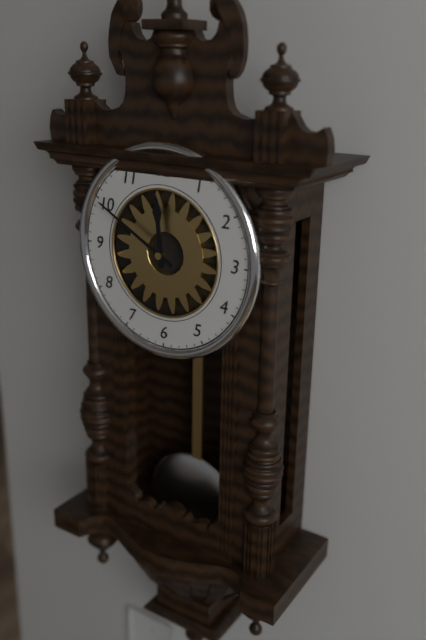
h=11 m=50
